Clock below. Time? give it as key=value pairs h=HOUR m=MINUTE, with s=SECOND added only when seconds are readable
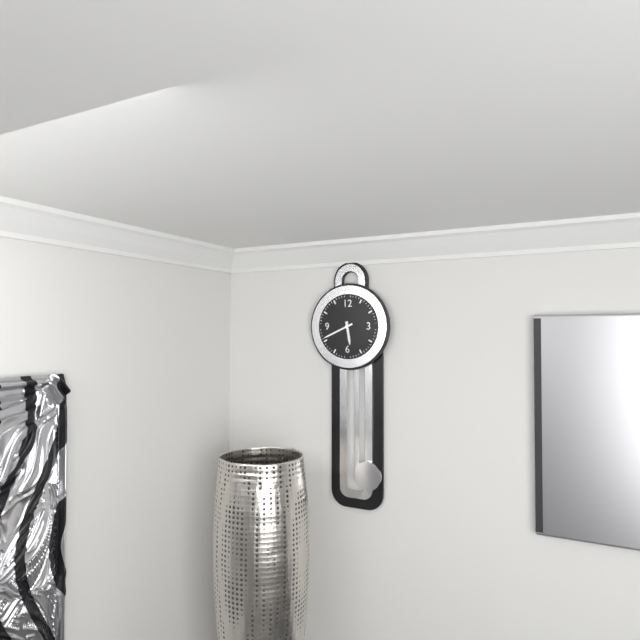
h=5 m=41
